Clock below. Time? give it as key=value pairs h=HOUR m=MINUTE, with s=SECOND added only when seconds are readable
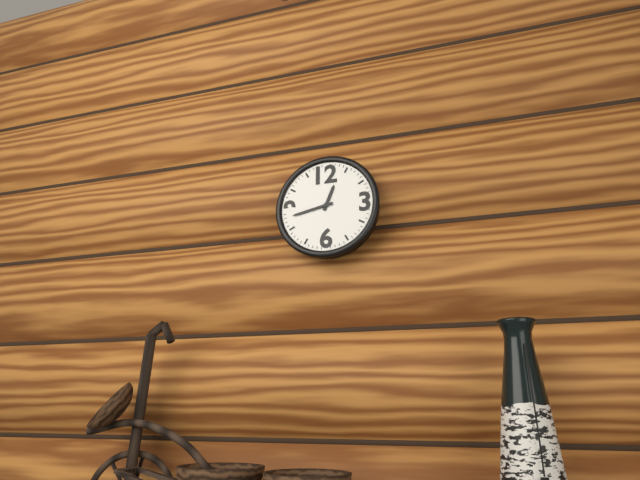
h=12 m=43
